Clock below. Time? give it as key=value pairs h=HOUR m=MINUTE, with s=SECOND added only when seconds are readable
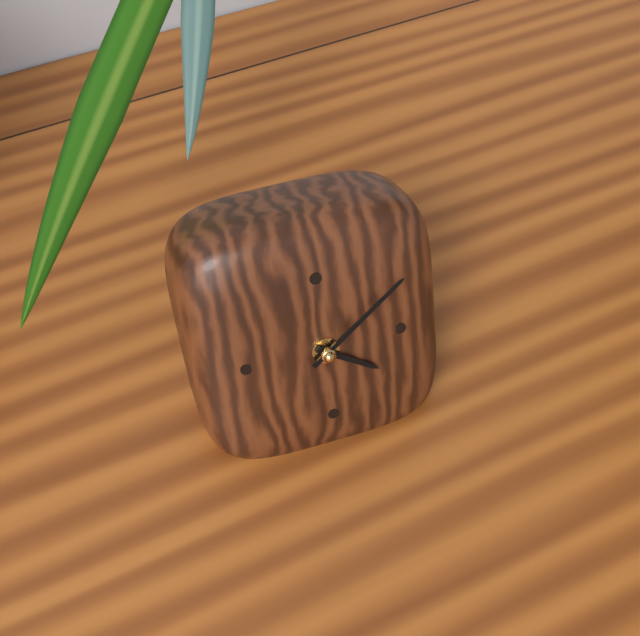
h=4 m=9
